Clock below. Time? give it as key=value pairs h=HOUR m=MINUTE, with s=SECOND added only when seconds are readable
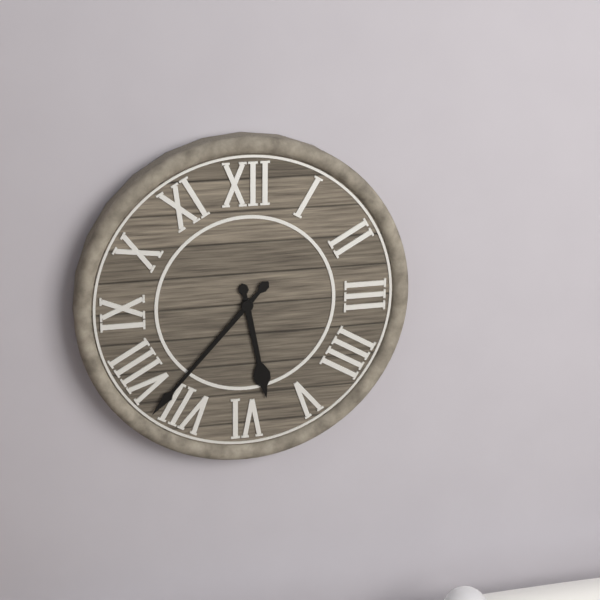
h=5 m=37
